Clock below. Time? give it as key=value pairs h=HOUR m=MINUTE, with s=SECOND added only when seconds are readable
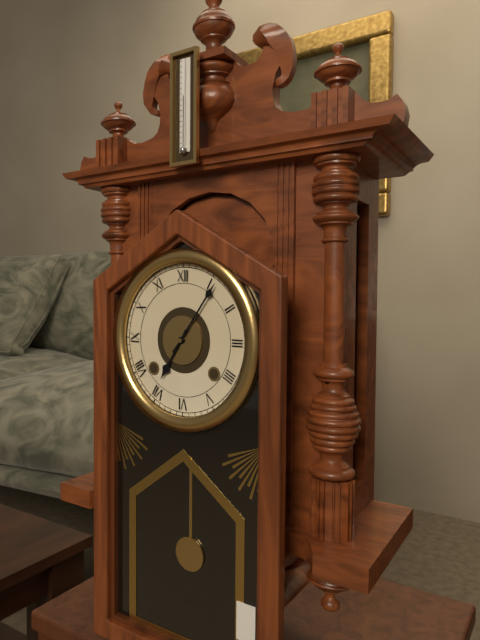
h=7 m=6
